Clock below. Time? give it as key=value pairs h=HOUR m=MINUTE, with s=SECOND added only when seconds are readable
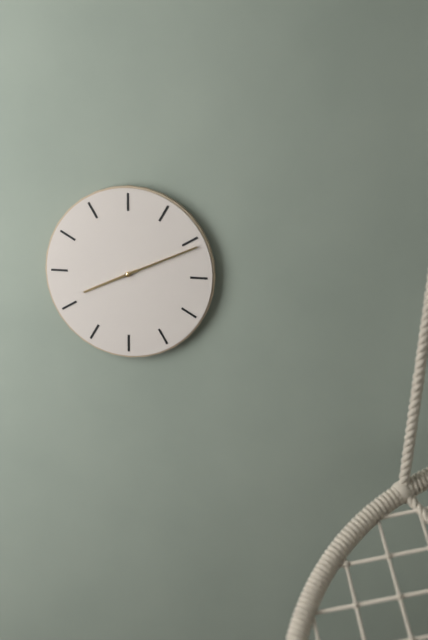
h=8 m=11
